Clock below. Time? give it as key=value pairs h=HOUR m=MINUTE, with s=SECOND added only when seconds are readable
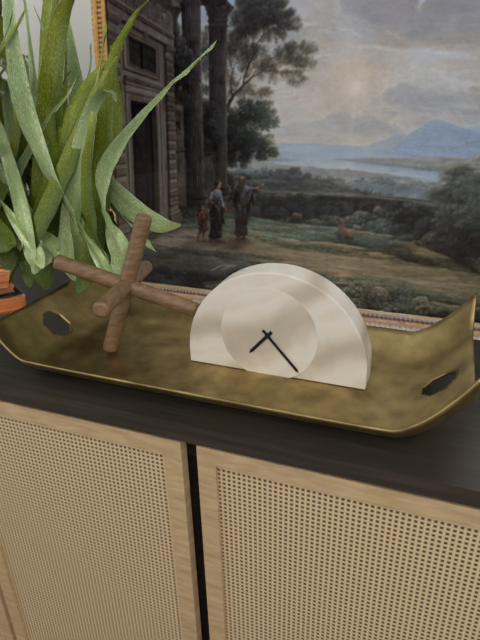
h=7 m=23
